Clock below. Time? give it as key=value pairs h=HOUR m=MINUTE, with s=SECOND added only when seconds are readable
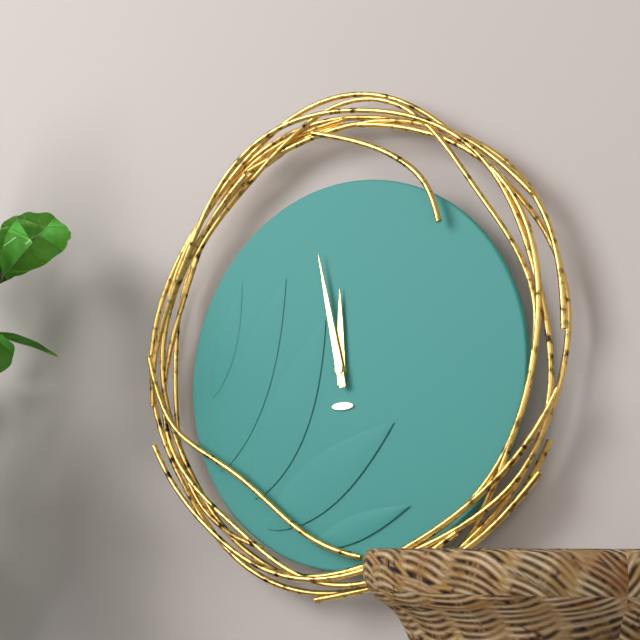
h=11 m=58
